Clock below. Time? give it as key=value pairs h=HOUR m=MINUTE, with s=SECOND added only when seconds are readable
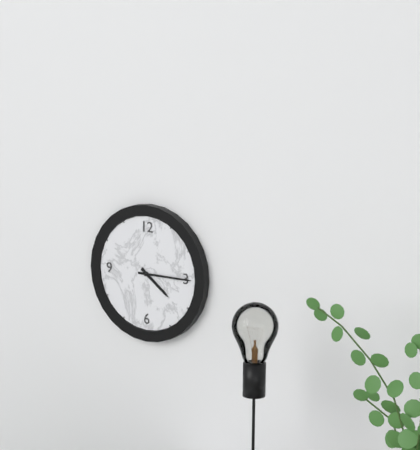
h=4 m=15
